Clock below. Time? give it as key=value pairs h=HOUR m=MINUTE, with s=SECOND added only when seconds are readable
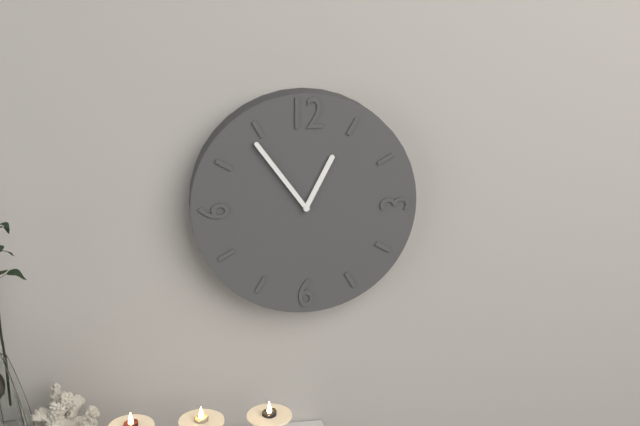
h=12 m=54
